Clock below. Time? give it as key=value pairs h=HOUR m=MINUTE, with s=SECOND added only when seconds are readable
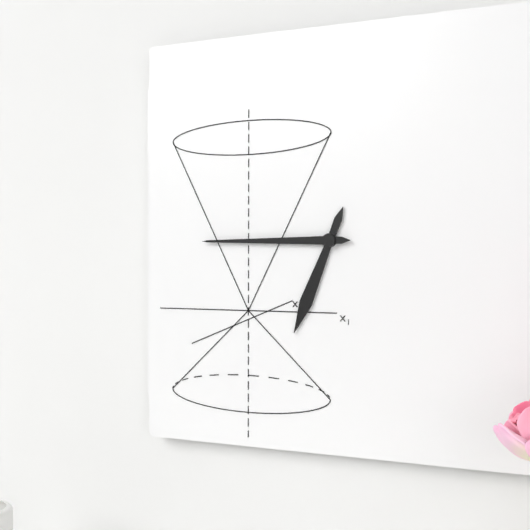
h=6 m=45
